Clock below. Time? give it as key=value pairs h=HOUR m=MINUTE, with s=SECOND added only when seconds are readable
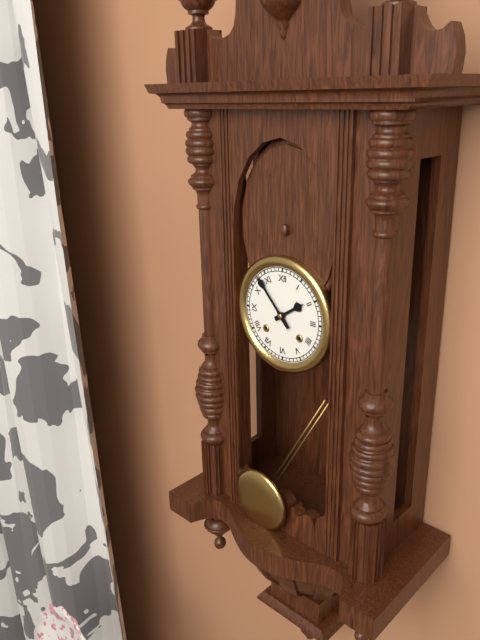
h=1 m=53
